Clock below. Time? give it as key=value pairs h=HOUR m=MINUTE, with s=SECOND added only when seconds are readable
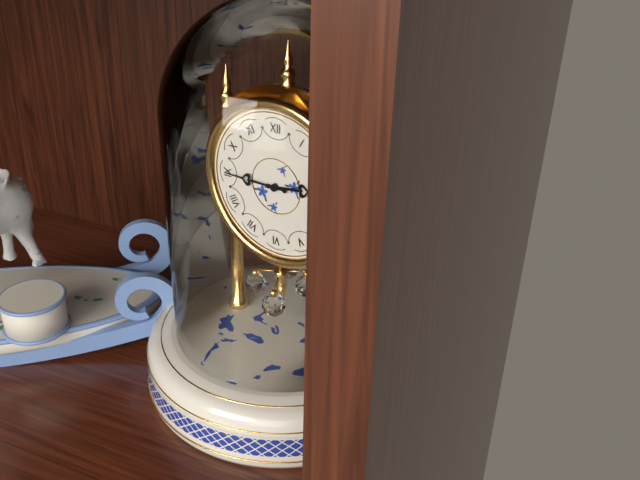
h=2 m=45
